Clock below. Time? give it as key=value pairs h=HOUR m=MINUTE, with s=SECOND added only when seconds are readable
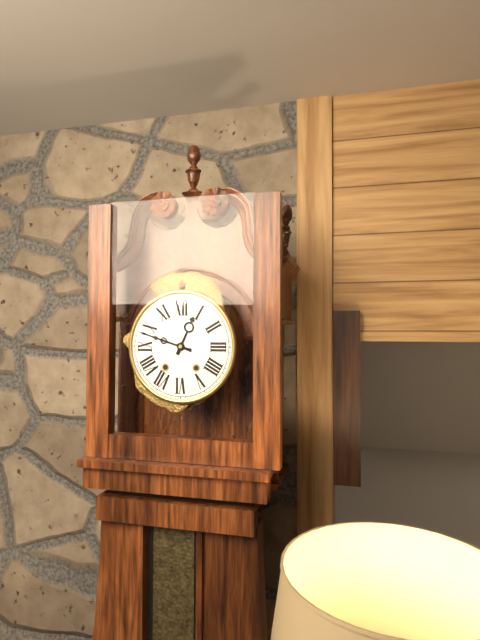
h=12 m=48
